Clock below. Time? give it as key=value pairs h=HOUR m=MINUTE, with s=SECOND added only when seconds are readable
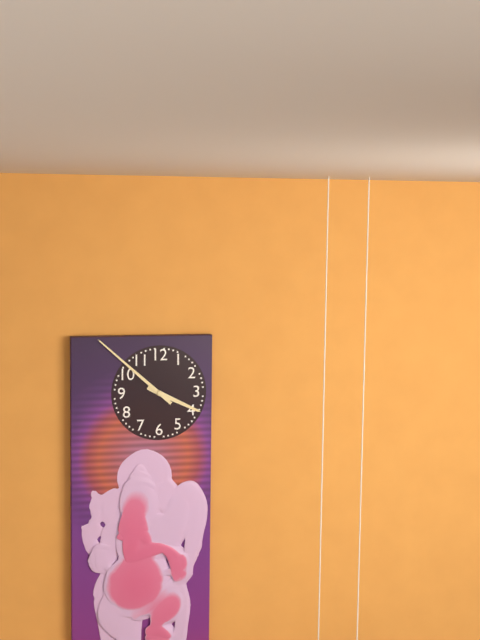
h=3 m=52
